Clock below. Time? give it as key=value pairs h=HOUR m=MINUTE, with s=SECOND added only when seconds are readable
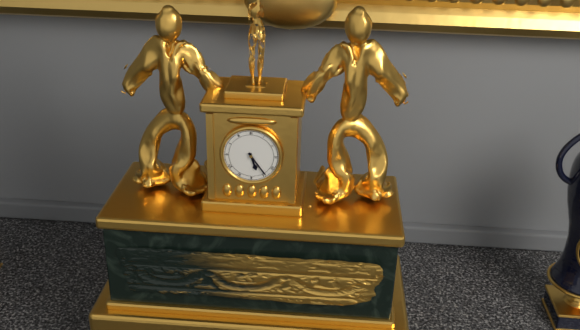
h=5 m=24
